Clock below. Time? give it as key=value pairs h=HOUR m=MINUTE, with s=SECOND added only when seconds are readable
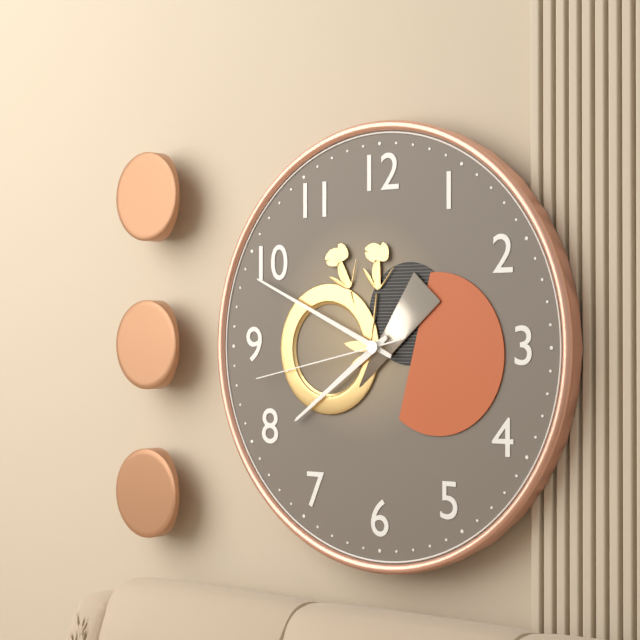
h=7 m=49 s=43
